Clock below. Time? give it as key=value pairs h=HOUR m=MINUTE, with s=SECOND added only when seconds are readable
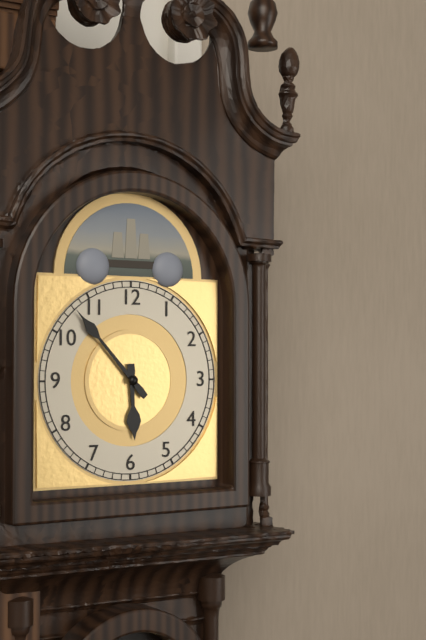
h=5 m=53
